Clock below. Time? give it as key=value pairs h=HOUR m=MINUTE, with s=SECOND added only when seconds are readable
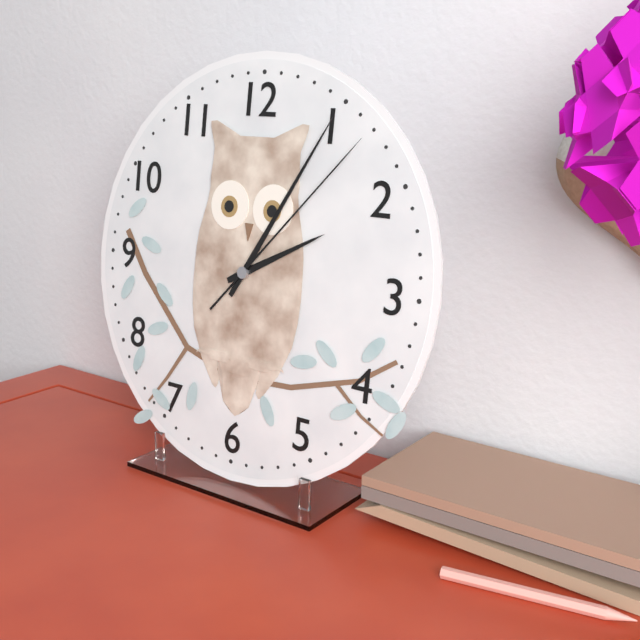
h=2 m=5 s=7
